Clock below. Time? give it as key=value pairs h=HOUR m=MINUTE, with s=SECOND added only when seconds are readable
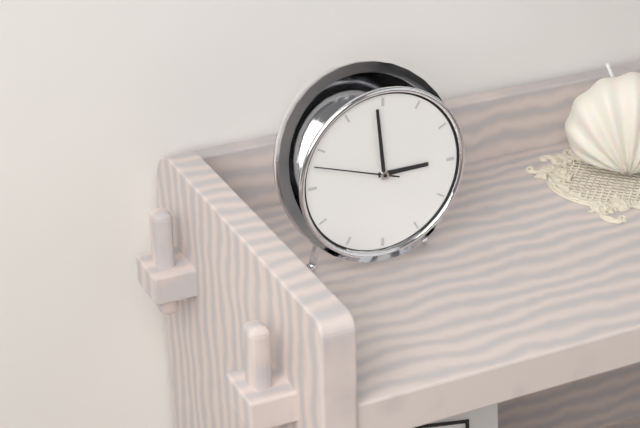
h=2 m=59 s=48
